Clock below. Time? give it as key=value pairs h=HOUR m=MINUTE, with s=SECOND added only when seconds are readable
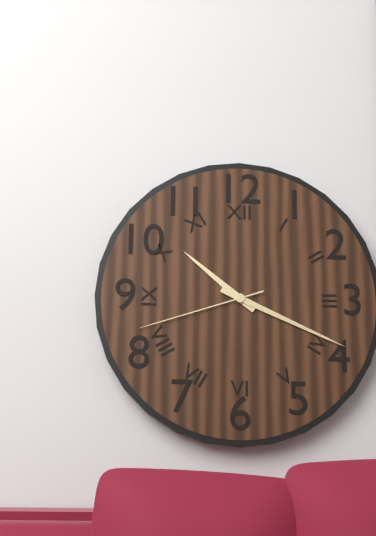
h=10 m=19 s=42
